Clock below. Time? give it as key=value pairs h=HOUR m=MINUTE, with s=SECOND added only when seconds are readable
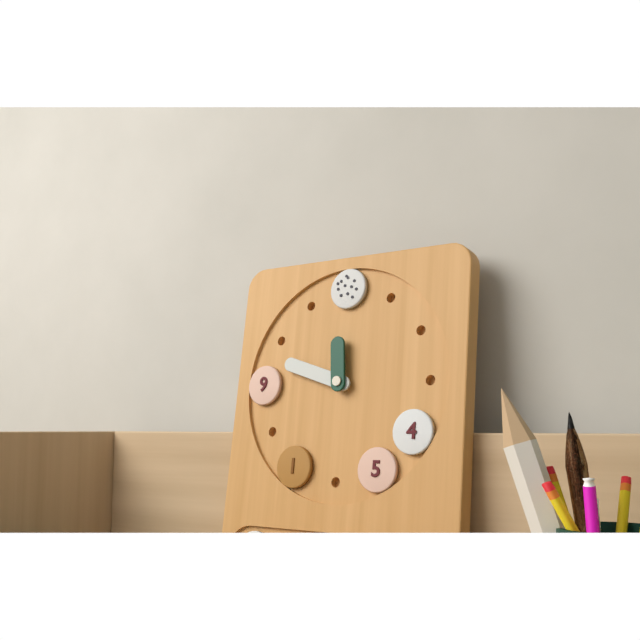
h=11 m=48
